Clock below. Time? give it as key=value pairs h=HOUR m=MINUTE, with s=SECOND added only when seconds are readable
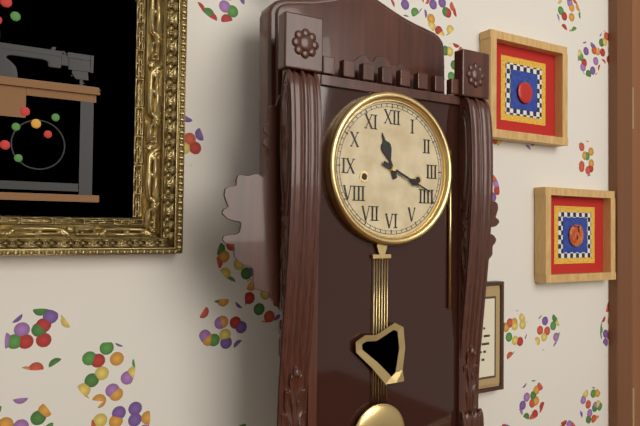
h=11 m=19
